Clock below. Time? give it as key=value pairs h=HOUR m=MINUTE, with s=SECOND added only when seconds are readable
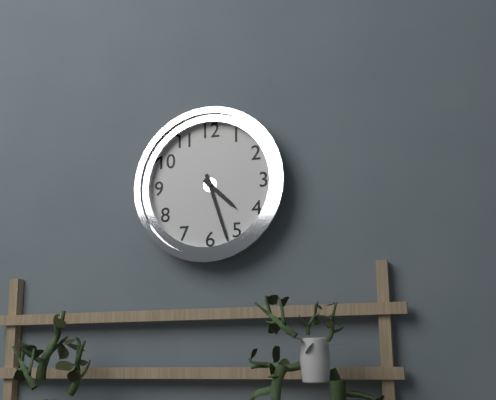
h=4 m=27
